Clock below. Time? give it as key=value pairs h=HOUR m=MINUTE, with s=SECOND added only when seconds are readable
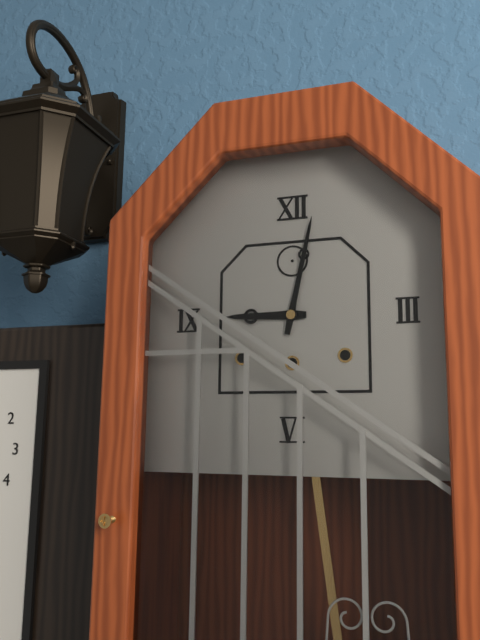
h=9 m=2
